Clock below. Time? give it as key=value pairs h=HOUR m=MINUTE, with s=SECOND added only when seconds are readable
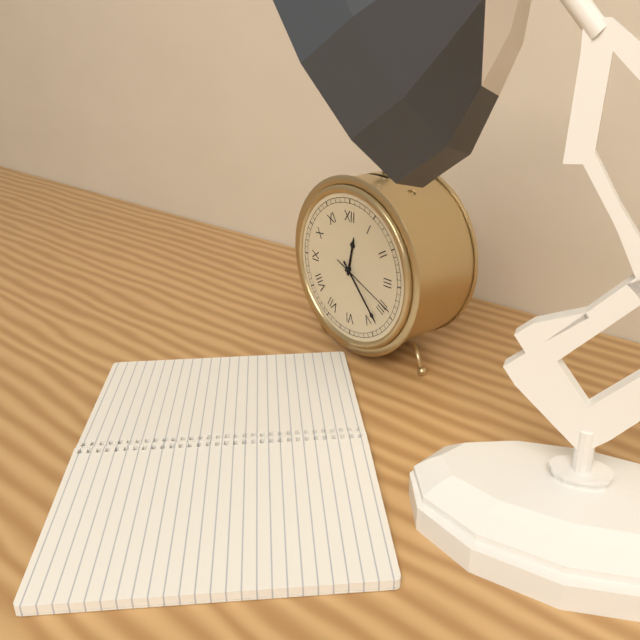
h=12 m=23 s=19
